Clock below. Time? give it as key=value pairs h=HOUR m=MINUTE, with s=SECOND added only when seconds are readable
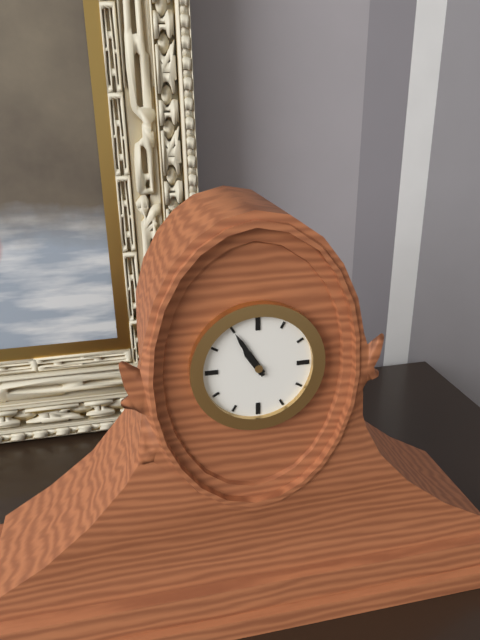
h=10 m=55
